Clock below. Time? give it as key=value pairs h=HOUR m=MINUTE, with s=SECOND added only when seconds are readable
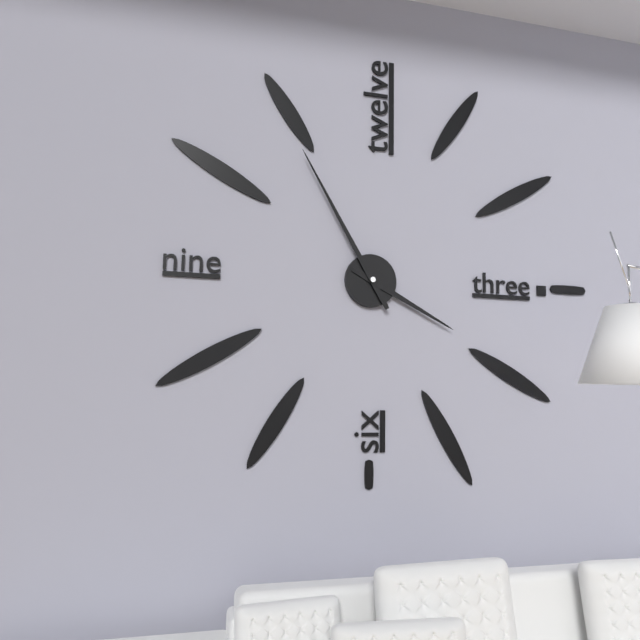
h=3 m=55
